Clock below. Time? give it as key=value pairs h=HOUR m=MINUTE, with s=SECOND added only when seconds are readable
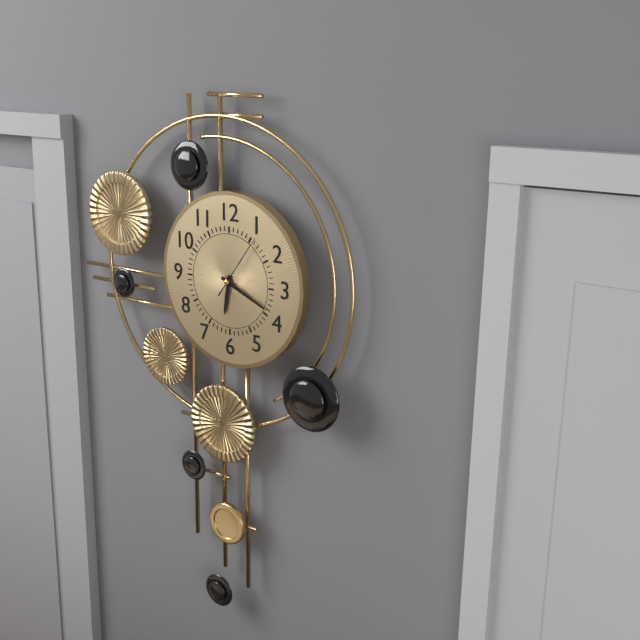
h=6 m=19
